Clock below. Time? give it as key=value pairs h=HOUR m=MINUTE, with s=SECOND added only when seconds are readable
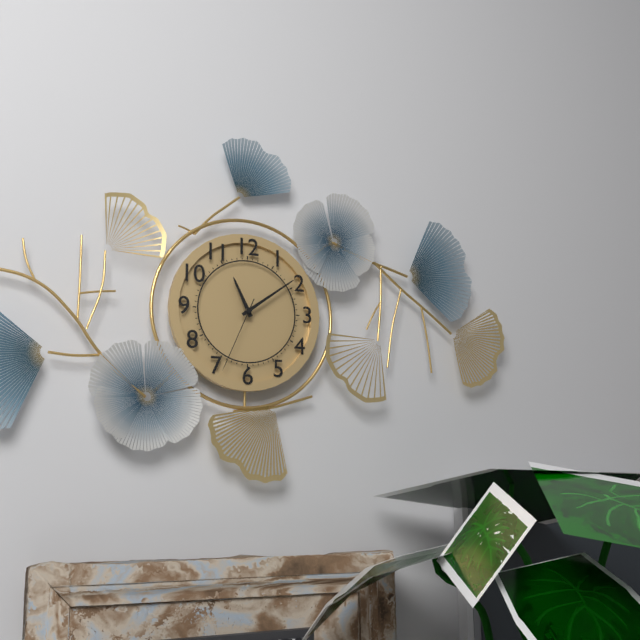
h=11 m=9 s=34
